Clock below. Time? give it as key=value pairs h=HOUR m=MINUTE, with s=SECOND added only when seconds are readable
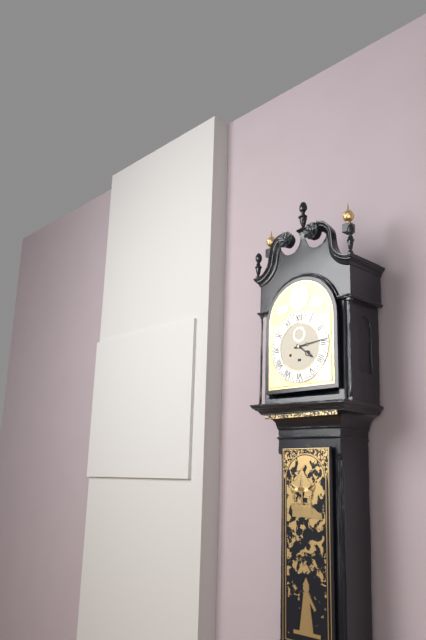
h=4 m=14
